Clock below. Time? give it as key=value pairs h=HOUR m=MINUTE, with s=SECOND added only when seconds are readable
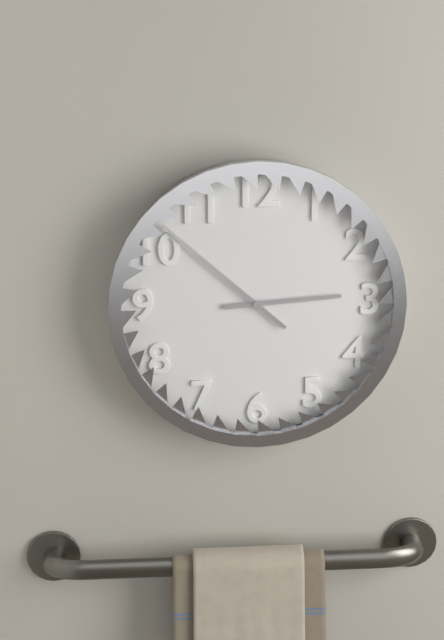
h=2 m=52
